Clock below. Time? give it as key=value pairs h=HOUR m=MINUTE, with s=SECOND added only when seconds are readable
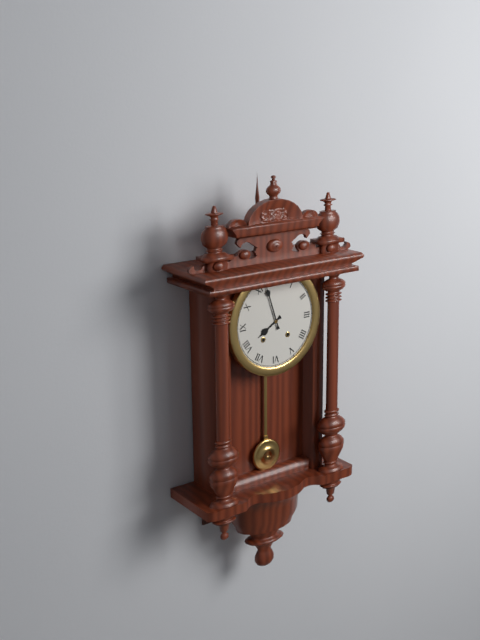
h=7 m=57
